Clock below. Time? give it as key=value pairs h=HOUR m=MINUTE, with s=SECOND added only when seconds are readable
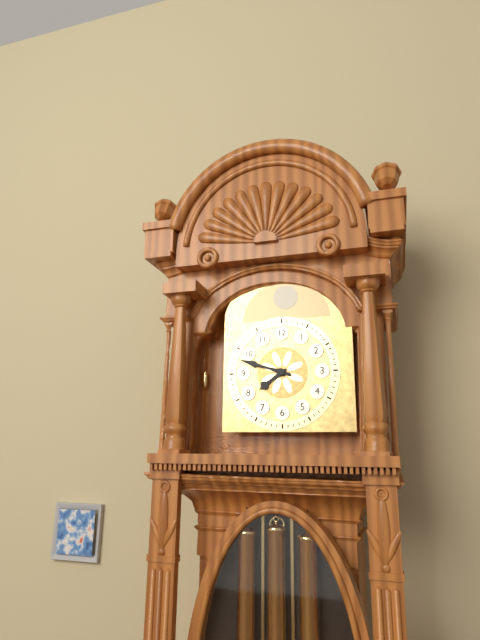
h=7 m=48
